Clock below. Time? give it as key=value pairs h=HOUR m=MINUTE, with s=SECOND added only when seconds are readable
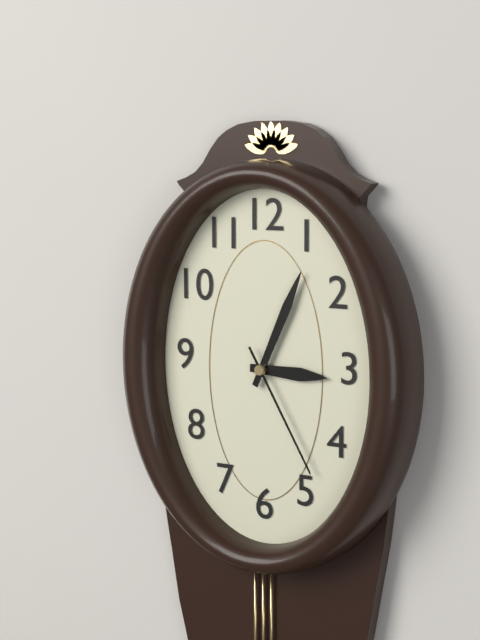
h=3 m=4 s=25
